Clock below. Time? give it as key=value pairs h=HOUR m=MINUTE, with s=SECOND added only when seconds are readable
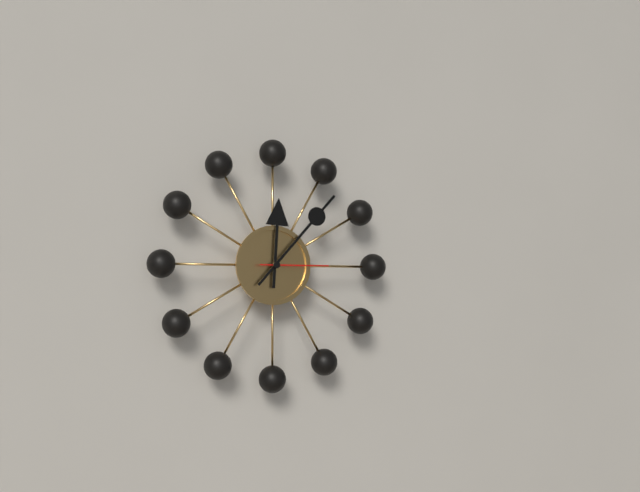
h=12 m=7 s=15
